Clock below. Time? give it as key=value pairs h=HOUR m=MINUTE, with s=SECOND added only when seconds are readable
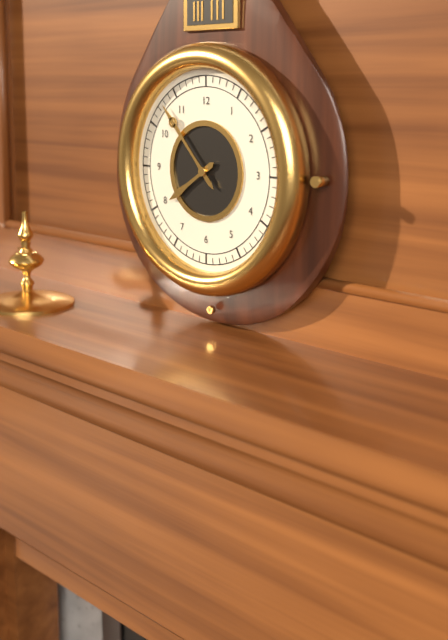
h=7 m=53
